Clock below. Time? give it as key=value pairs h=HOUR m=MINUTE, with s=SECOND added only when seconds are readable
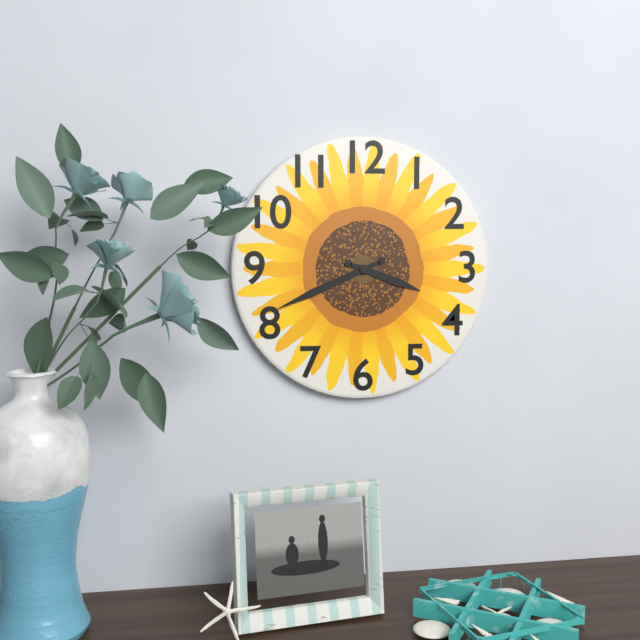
h=3 m=41
